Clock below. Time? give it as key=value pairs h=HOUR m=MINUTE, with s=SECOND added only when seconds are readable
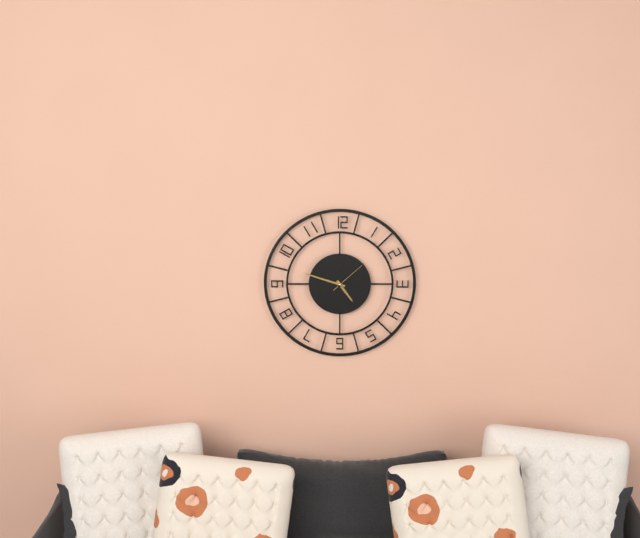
h=4 m=48
